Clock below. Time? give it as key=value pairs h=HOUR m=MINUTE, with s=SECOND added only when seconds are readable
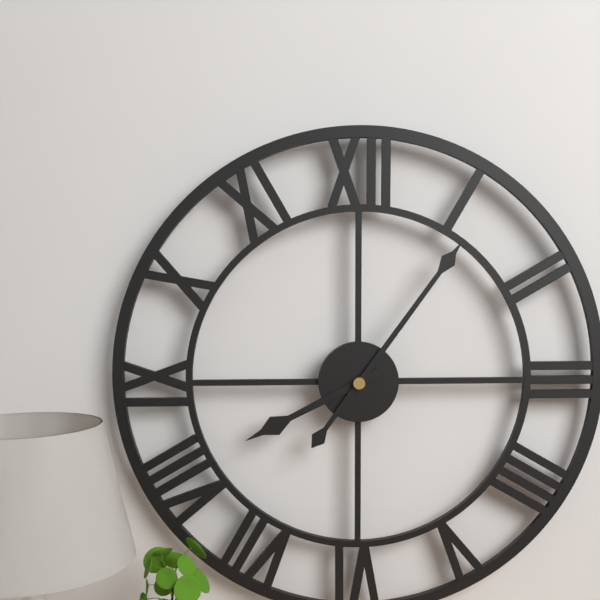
h=8 m=6
